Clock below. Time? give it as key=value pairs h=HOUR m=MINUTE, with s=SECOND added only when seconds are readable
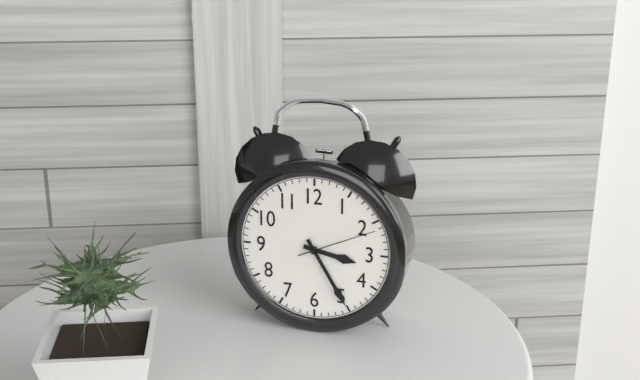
h=3 m=25 s=11
